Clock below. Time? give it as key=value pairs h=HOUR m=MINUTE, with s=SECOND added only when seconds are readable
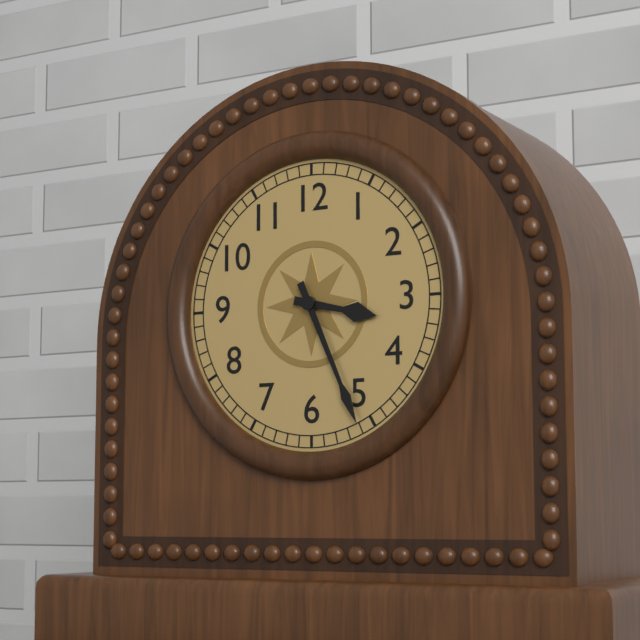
h=3 m=26
